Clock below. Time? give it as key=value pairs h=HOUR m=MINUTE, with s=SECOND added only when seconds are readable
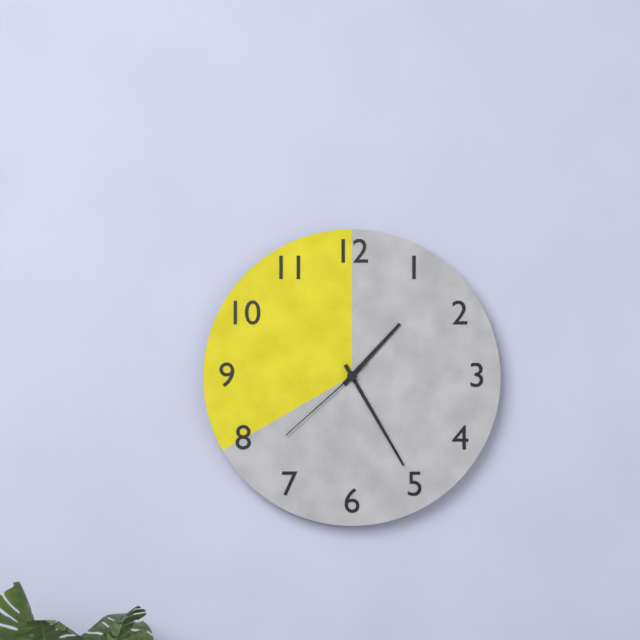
h=1 m=25 s=38
